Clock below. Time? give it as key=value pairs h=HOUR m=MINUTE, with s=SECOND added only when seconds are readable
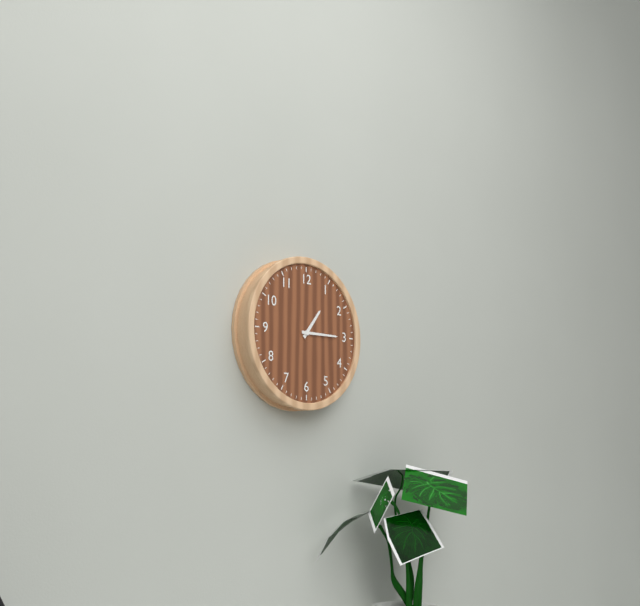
h=1 m=15
